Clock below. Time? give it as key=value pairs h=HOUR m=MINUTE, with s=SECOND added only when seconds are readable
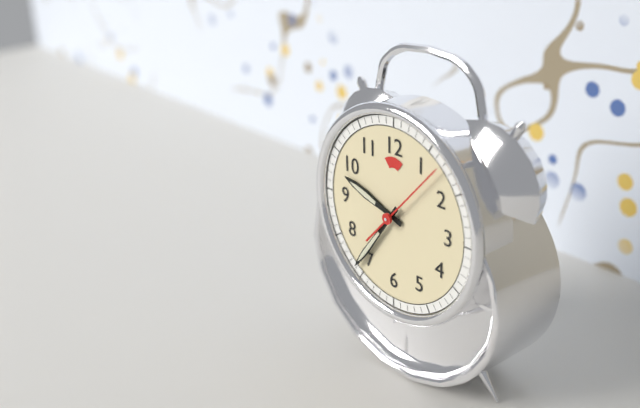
h=9 m=36 s=7
